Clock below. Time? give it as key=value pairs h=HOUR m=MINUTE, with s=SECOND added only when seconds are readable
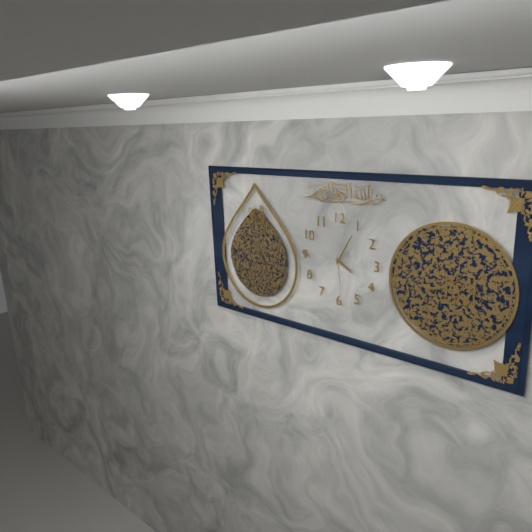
h=4 m=5
